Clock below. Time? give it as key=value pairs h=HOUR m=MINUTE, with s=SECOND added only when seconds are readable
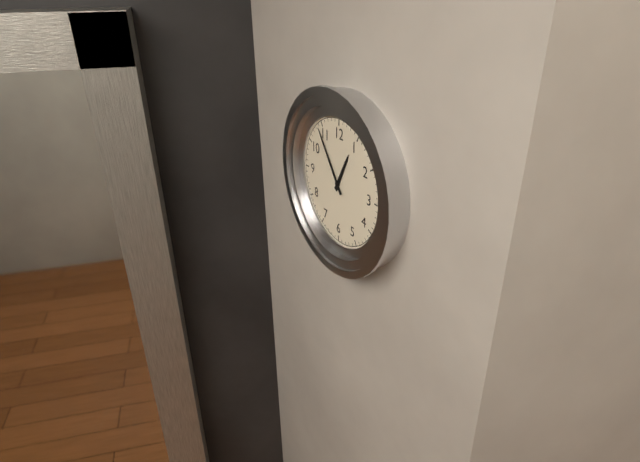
h=12 m=54
